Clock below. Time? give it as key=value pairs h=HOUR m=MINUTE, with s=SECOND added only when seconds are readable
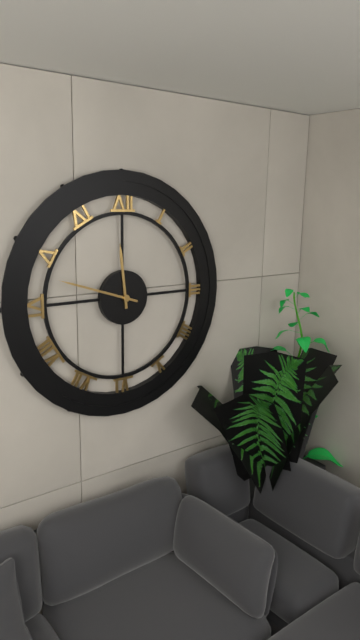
h=11 m=48
